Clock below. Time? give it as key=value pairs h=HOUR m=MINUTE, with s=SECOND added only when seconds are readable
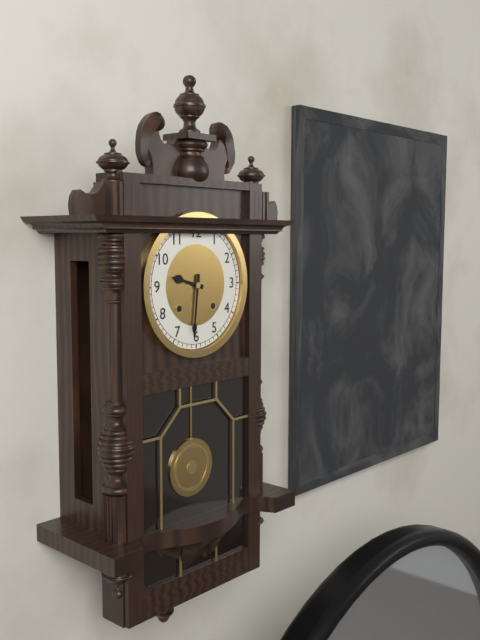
h=9 m=31
